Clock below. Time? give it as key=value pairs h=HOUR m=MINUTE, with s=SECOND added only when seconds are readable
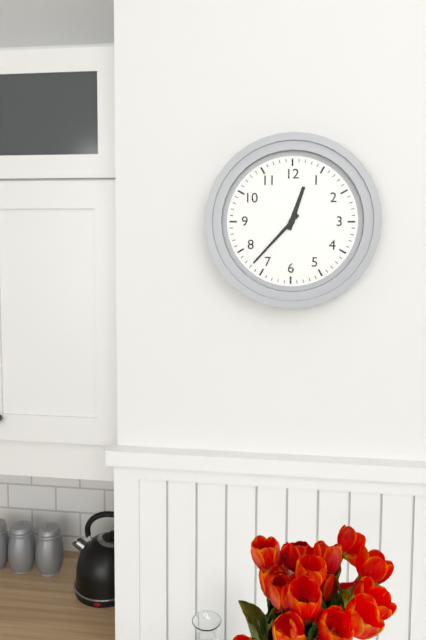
h=12 m=37
